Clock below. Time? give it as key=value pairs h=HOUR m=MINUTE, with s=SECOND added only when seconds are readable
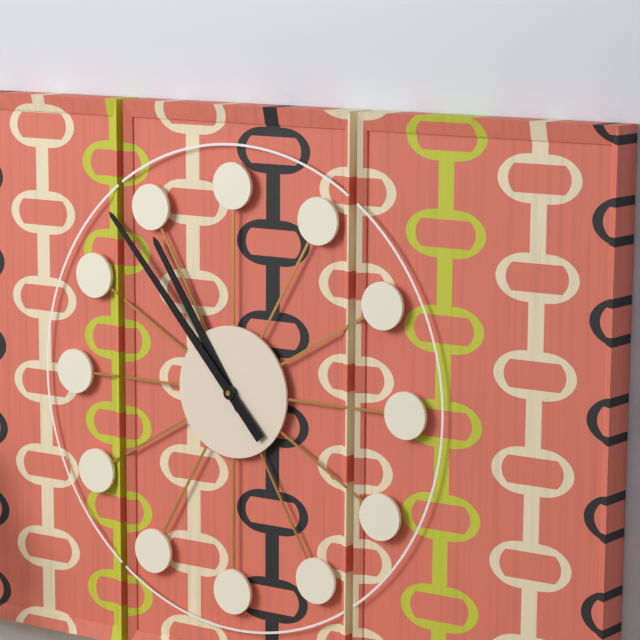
h=10 m=53
